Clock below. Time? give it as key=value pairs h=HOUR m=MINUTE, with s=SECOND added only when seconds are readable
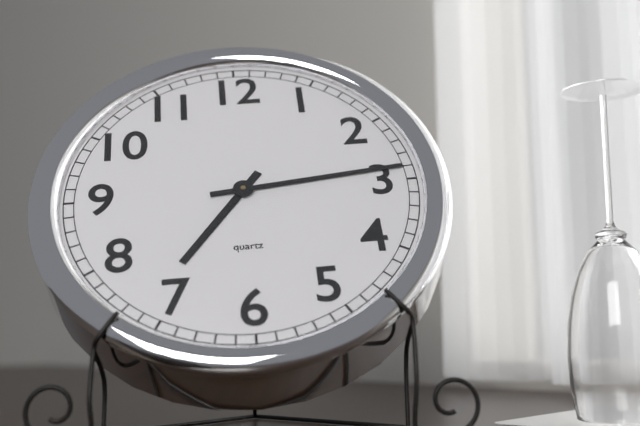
h=7 m=14
